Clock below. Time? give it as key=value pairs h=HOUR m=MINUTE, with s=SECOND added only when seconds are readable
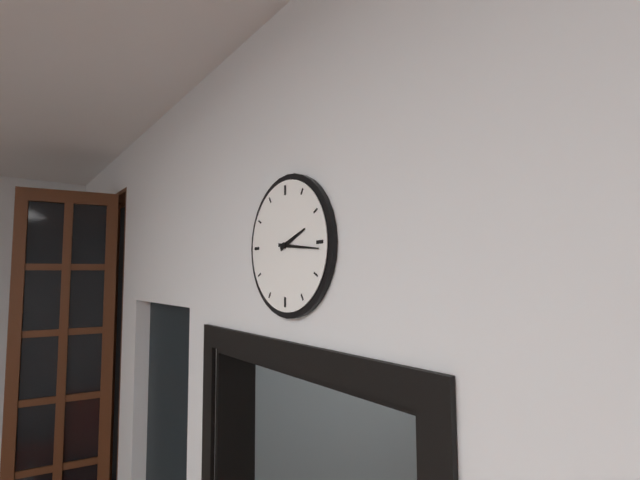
h=2 m=16
